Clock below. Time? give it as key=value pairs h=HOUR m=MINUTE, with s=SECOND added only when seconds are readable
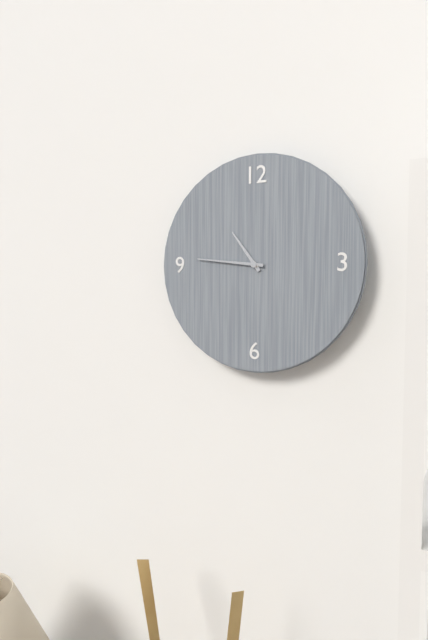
h=10 m=46
